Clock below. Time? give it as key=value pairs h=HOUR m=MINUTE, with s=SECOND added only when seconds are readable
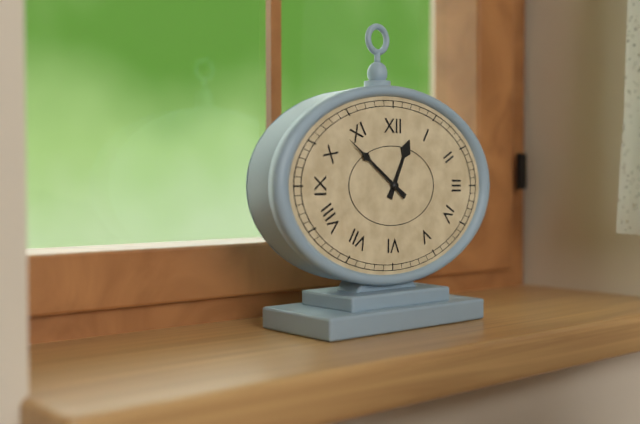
h=12 m=51
